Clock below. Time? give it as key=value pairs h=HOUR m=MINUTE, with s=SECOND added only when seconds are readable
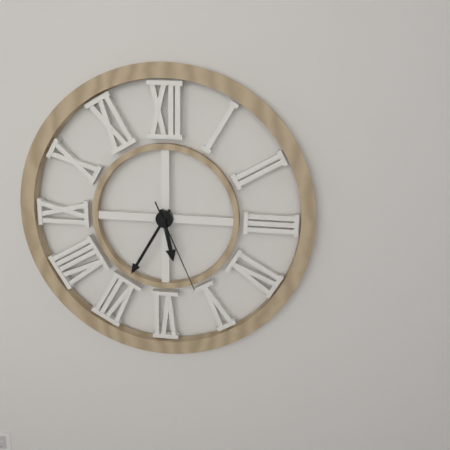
h=5 m=35 s=26
